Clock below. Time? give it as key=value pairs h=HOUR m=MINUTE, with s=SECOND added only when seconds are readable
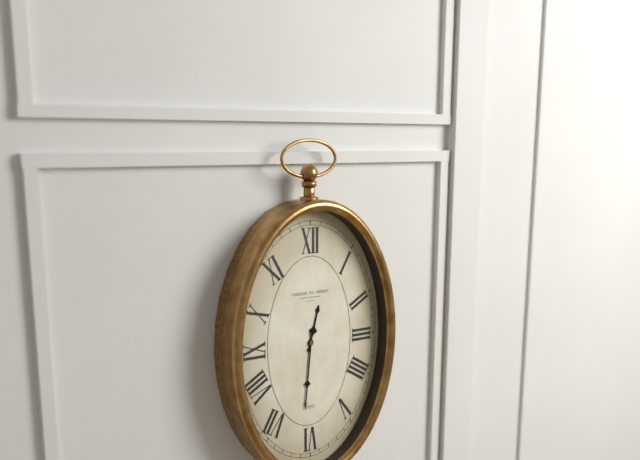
h=12 m=31
